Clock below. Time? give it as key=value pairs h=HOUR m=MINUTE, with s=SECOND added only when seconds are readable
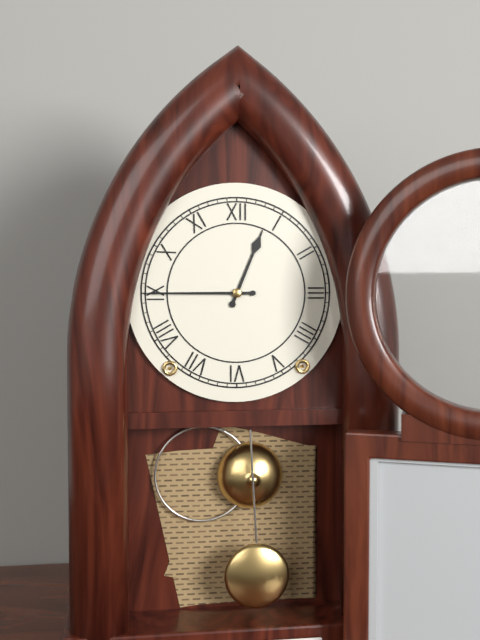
h=12 m=45
